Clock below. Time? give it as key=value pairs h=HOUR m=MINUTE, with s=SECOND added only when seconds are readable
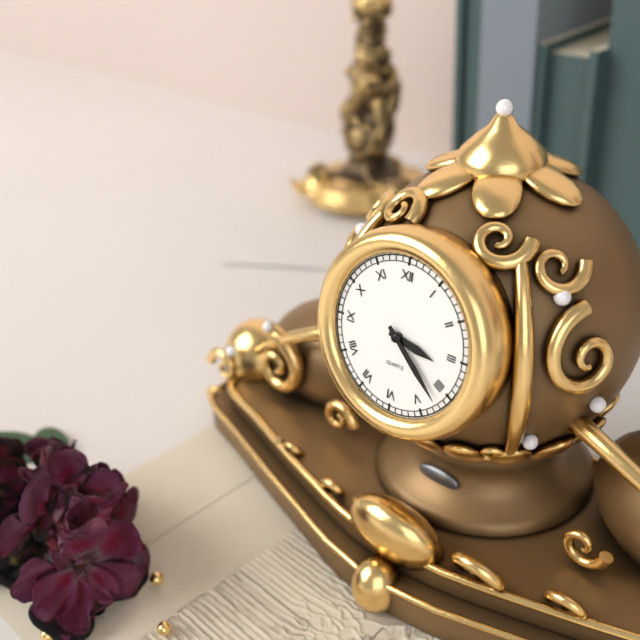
h=3 m=22
